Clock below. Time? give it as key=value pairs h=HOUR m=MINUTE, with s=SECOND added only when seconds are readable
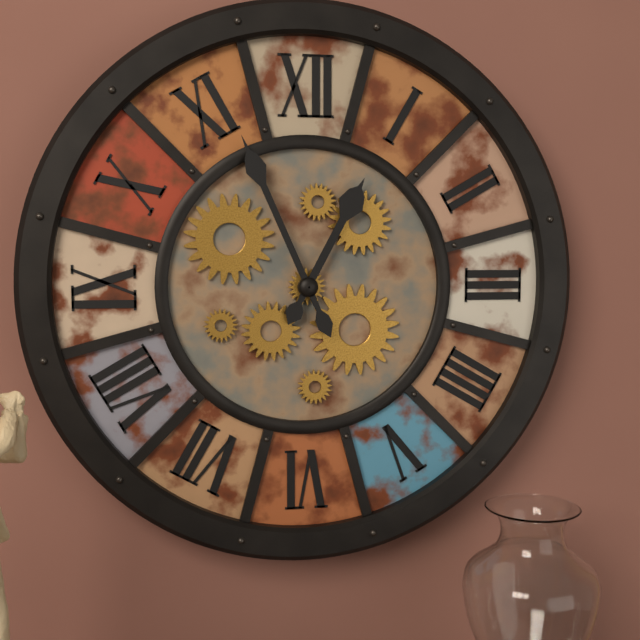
h=12 m=56
